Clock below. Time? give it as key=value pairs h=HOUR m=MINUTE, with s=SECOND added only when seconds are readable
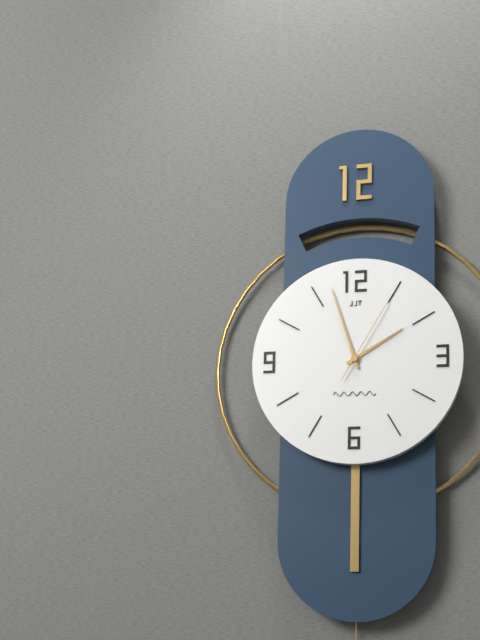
h=1 m=57 s=5
